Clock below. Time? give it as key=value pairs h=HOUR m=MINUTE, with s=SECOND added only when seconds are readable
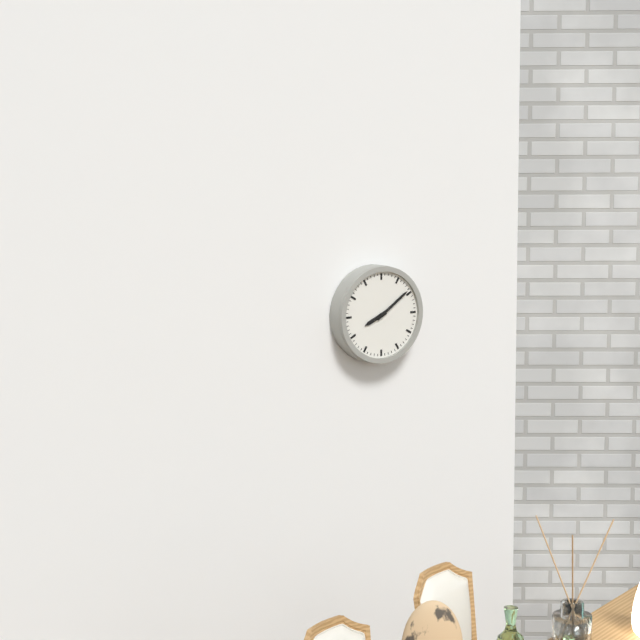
h=8 m=9
